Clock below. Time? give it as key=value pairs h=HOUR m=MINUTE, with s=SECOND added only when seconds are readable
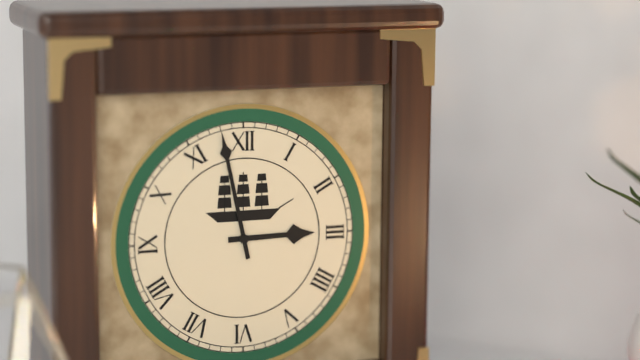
h=2 m=58
